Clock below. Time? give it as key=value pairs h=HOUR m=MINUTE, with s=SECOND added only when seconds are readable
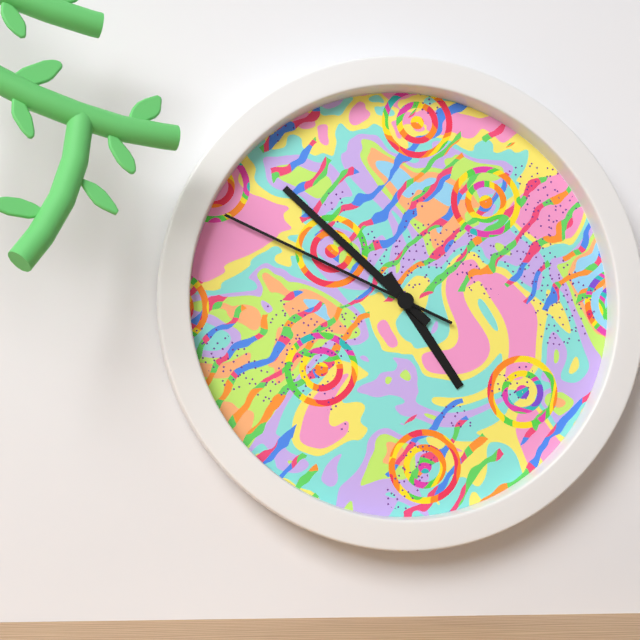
h=4 m=52 s=49
